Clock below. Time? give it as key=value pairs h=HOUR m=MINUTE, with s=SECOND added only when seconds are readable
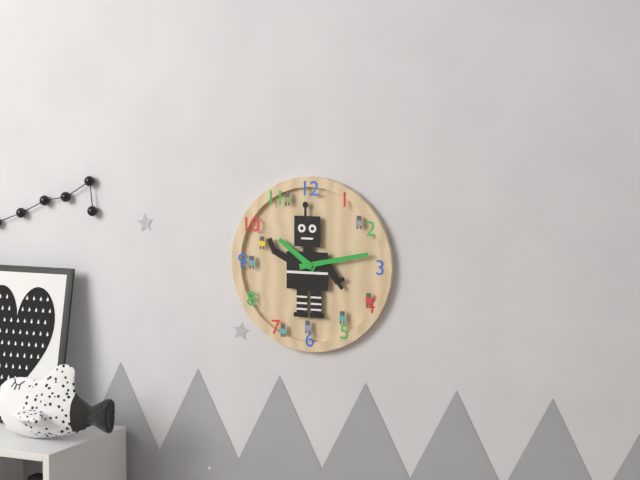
h=10 m=13
